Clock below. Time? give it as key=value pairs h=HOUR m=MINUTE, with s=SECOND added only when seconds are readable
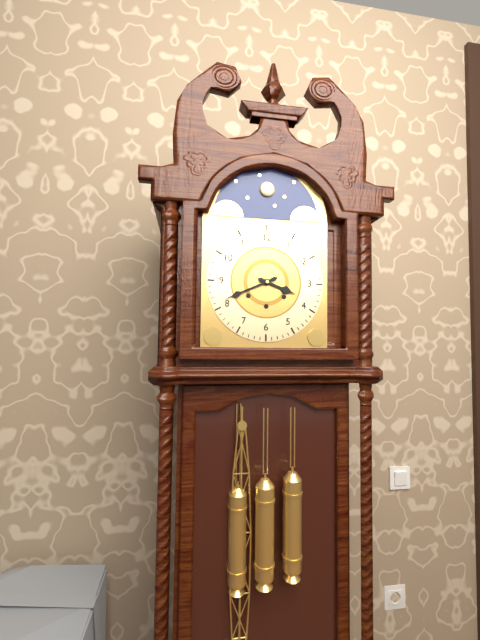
h=3 m=41
